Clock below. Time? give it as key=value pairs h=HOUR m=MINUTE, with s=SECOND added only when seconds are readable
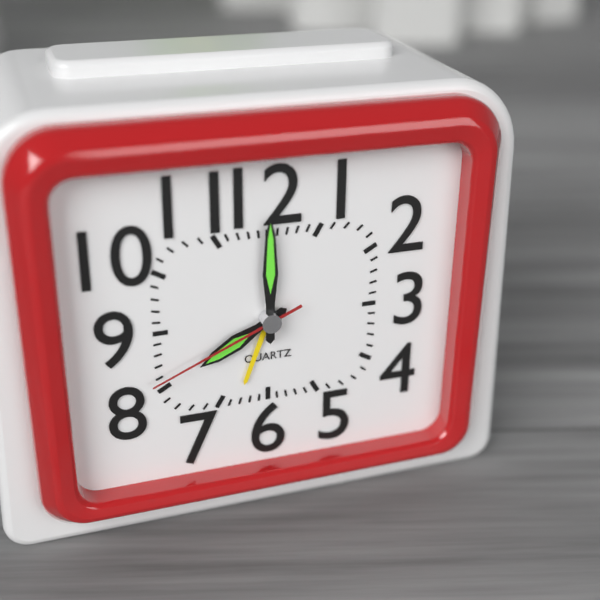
h=8 m=0 s=41
